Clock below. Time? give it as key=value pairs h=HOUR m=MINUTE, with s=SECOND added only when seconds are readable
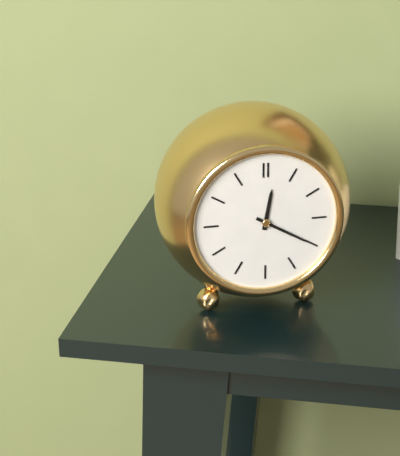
h=12 m=20
